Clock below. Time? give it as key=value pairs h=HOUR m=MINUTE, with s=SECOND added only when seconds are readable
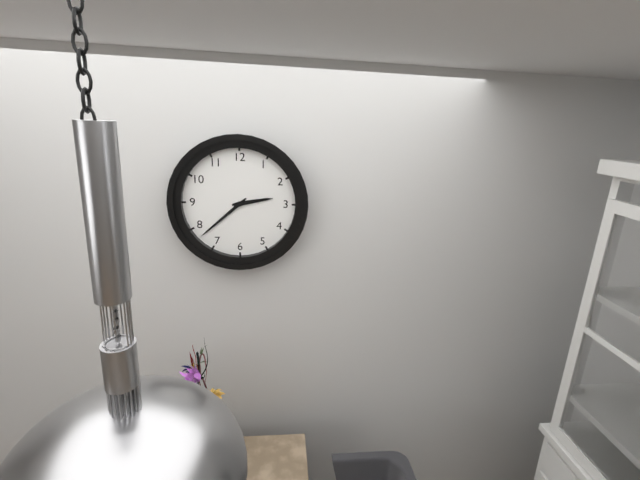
h=2 m=38
